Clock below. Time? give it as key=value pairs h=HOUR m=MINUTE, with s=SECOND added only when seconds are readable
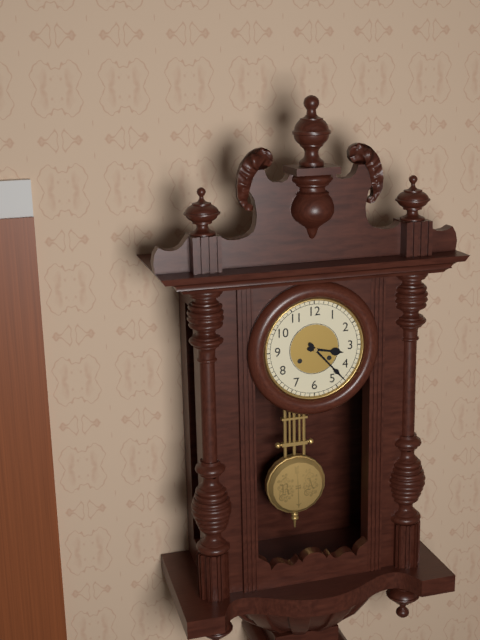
h=3 m=23
